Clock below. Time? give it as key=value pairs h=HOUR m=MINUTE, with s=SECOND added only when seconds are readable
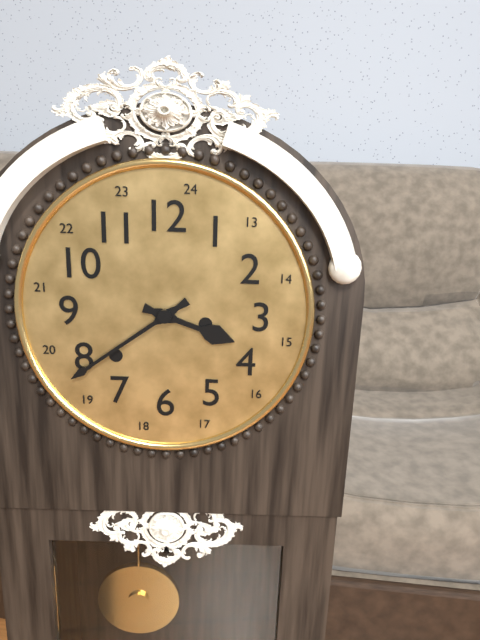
h=3 m=39
